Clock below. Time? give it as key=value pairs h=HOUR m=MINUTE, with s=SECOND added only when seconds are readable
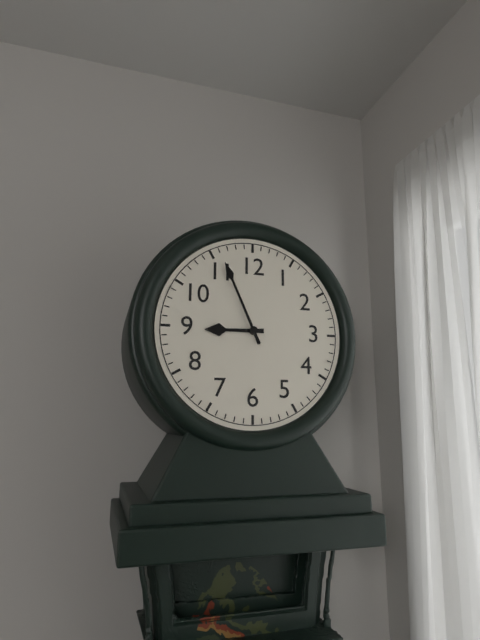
h=8 m=56
